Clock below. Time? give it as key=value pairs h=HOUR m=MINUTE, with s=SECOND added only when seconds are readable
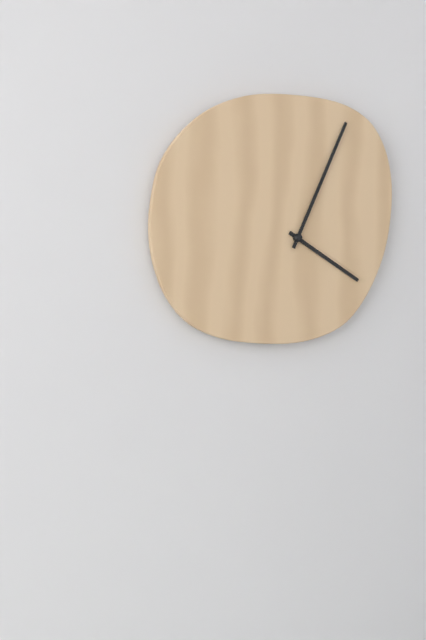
h=4 m=4
